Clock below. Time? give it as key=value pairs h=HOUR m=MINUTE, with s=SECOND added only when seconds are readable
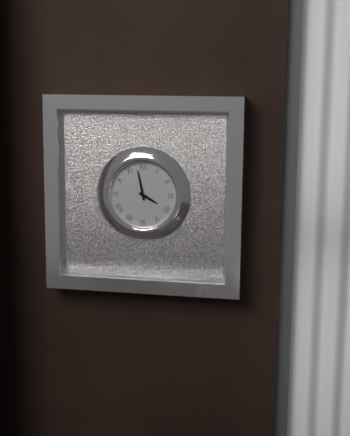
h=3 m=58
